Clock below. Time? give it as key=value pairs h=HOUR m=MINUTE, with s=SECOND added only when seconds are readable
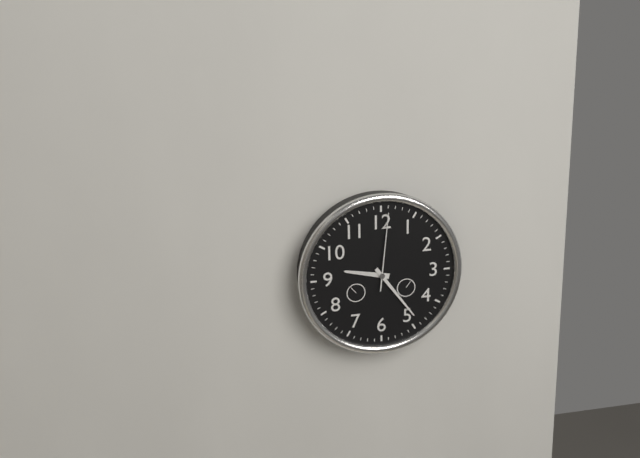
h=9 m=24 s=1
